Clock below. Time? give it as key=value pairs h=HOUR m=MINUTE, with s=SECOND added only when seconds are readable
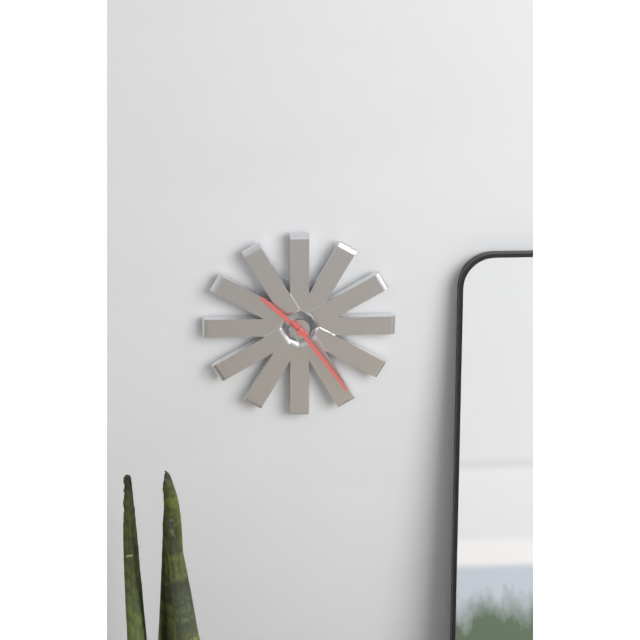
h=10 m=24
